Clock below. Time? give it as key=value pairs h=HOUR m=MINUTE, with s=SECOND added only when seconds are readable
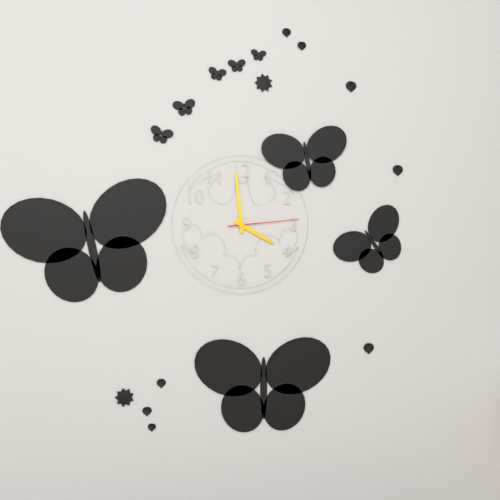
h=3 m=59 s=14
